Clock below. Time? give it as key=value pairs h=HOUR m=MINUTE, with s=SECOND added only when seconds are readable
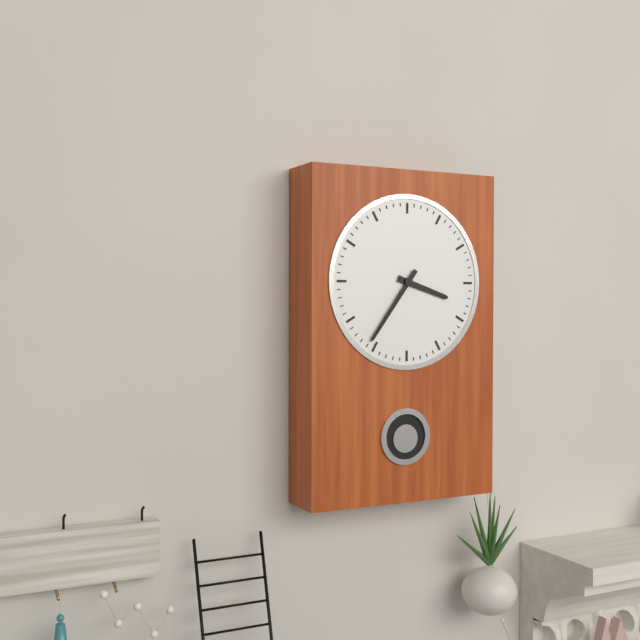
h=3 m=36
